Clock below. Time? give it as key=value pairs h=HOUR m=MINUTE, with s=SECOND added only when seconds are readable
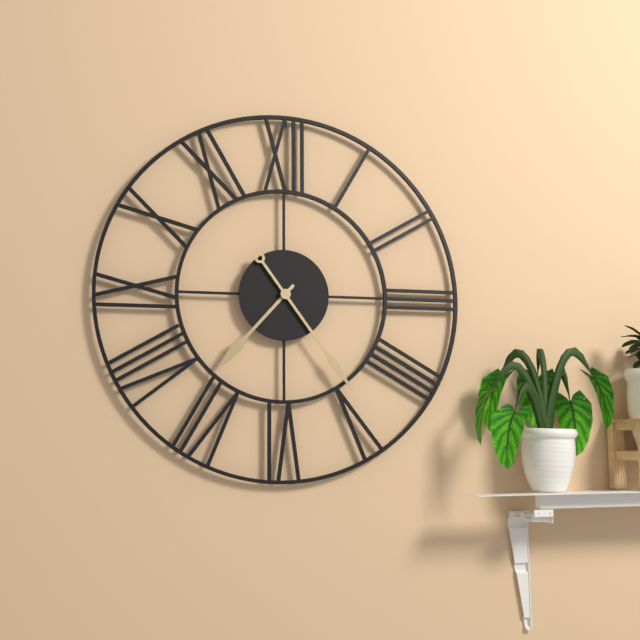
h=7 m=24
